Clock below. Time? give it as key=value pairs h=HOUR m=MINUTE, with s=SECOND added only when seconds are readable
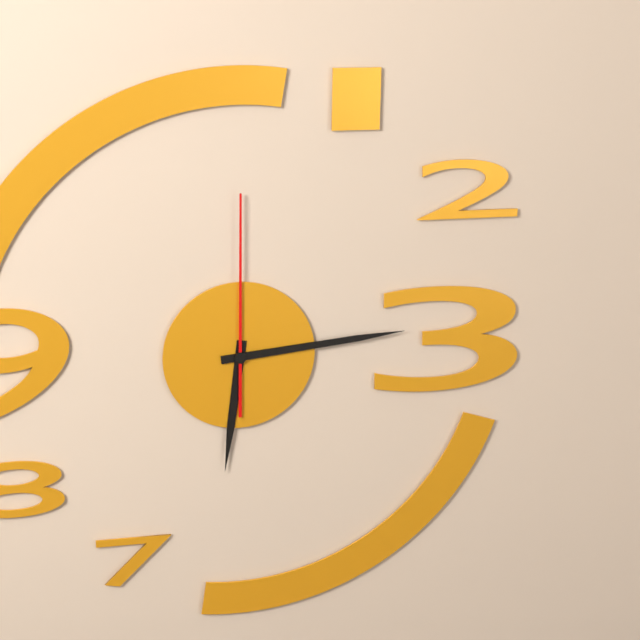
h=6 m=14 s=0
